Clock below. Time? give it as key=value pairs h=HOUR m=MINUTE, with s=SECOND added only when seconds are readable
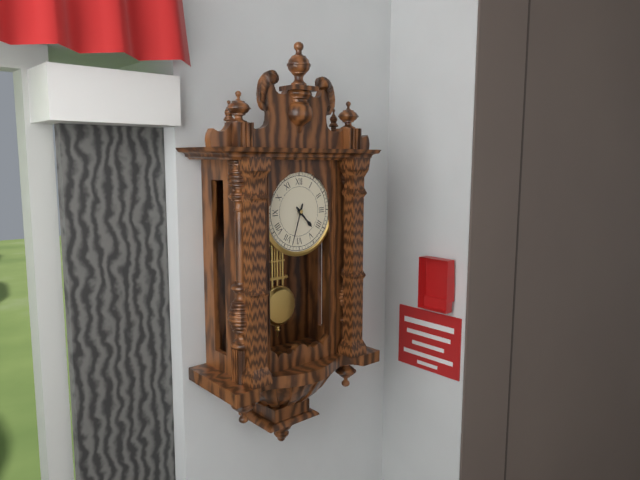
h=4 m=33
